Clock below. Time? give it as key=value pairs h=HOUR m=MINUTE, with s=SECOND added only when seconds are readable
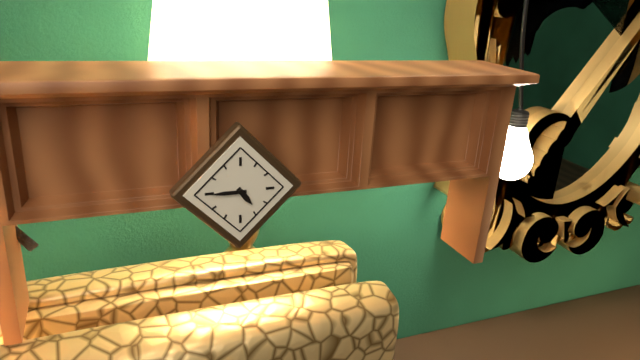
h=4 m=45
